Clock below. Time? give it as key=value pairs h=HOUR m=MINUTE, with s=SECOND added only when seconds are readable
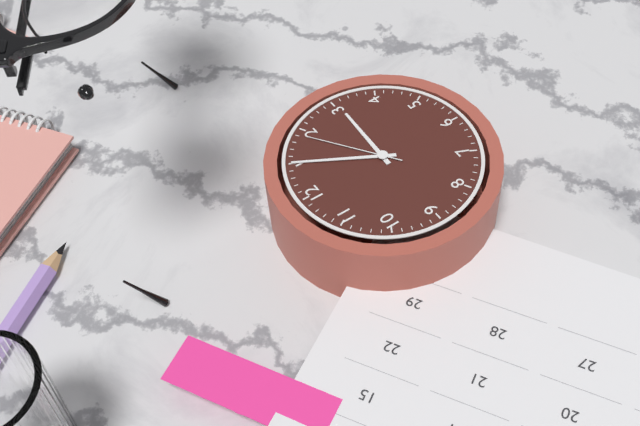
h=3 m=5 s=9
